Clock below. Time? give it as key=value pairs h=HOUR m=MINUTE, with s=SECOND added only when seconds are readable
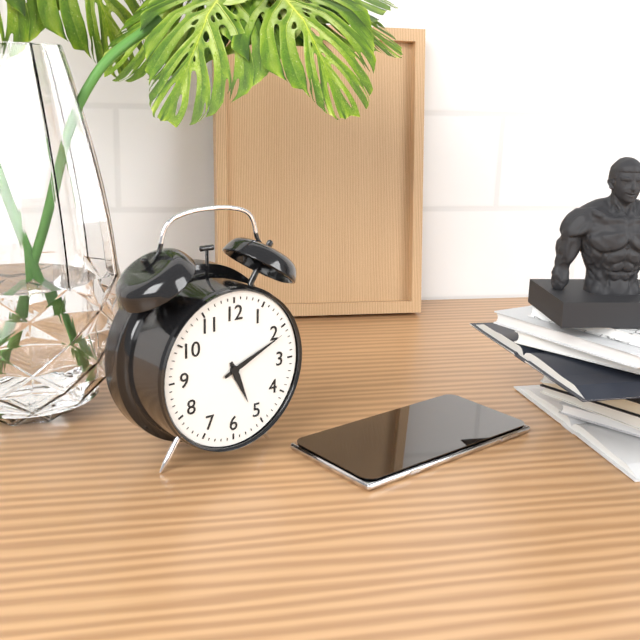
h=5 m=11
